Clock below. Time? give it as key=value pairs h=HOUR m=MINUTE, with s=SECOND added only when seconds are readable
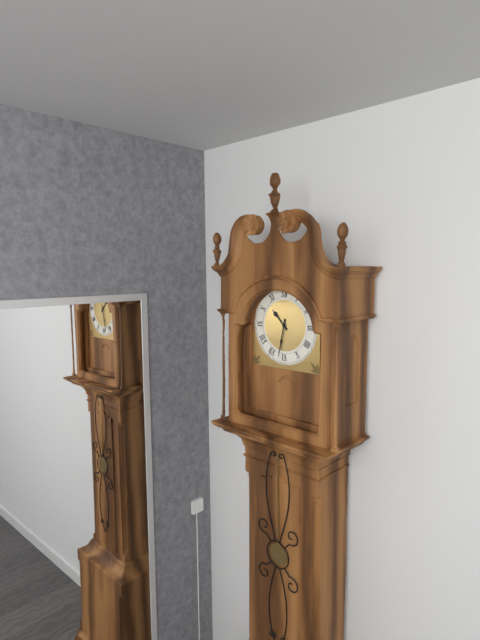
h=10 m=32
